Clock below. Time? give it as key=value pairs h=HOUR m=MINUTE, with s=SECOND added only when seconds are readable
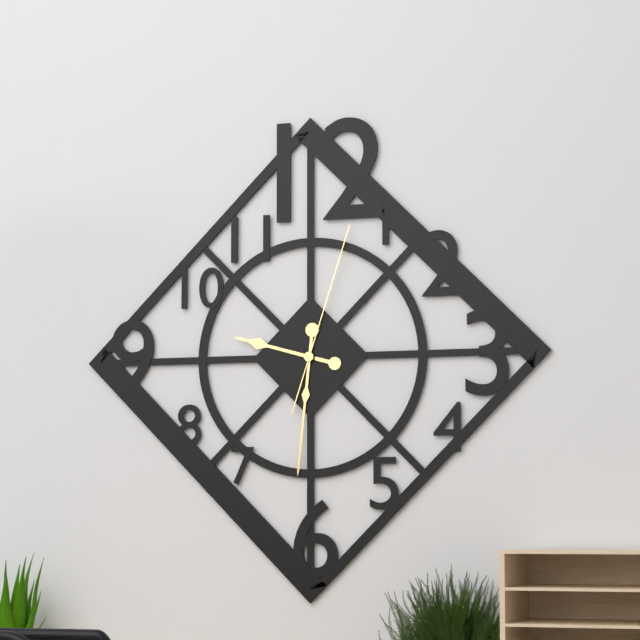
h=9 m=31 s=3
